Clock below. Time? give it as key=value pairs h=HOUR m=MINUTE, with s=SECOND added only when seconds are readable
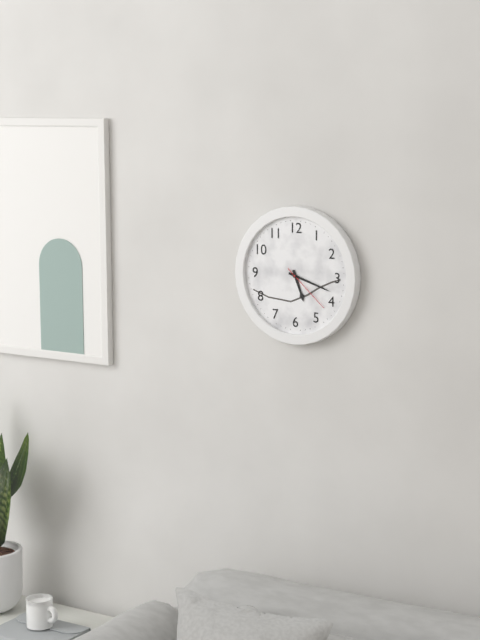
h=5 m=18 s=22
